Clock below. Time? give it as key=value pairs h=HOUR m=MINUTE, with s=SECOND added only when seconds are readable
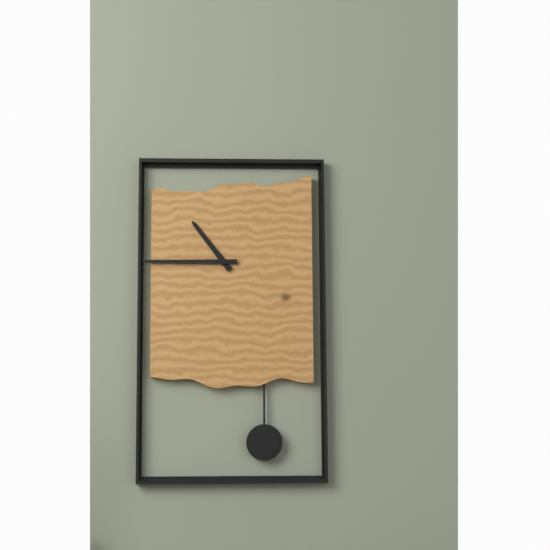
h=10 m=45
